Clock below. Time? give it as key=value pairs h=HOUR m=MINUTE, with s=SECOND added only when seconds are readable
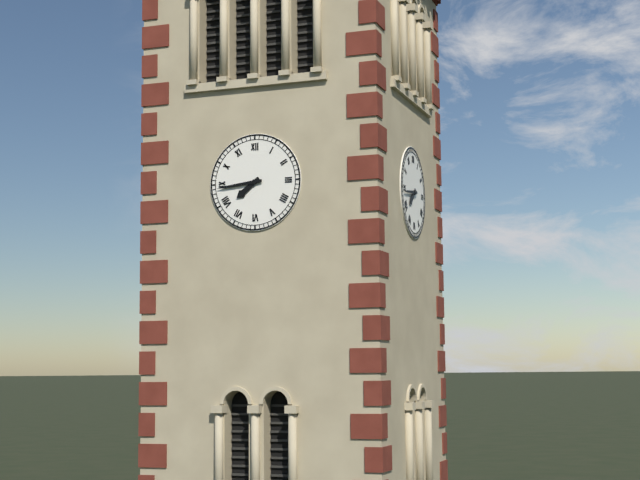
h=7 m=44
